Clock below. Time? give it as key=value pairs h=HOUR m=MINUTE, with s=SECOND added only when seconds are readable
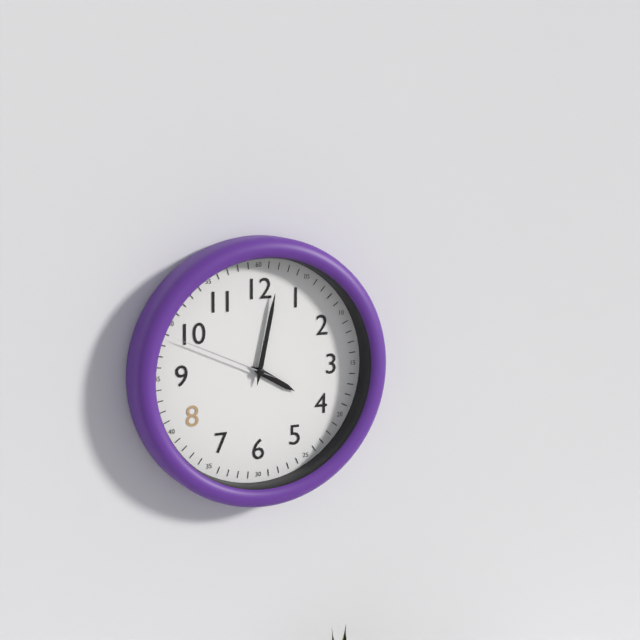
h=4 m=2 s=49
